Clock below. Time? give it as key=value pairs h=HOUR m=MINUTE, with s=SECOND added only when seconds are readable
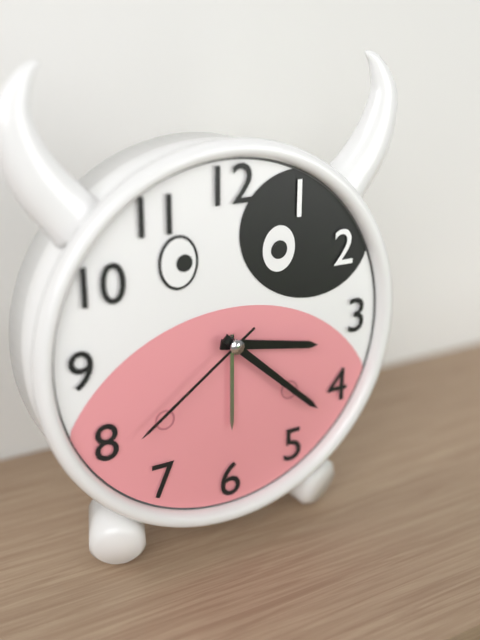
h=3 m=22 s=39
